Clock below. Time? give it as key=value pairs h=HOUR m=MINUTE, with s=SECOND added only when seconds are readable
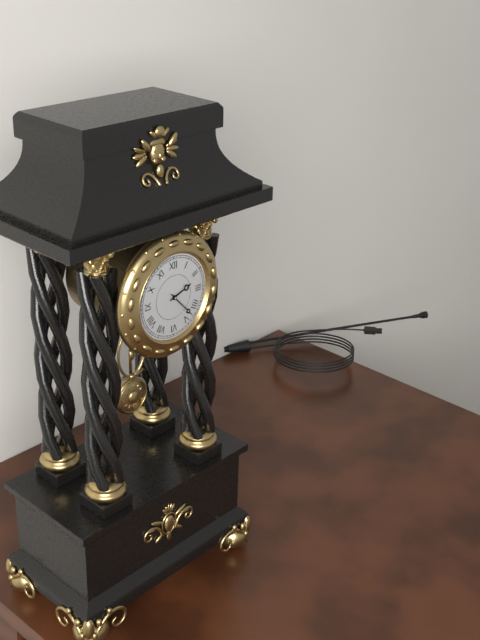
h=2 m=23
